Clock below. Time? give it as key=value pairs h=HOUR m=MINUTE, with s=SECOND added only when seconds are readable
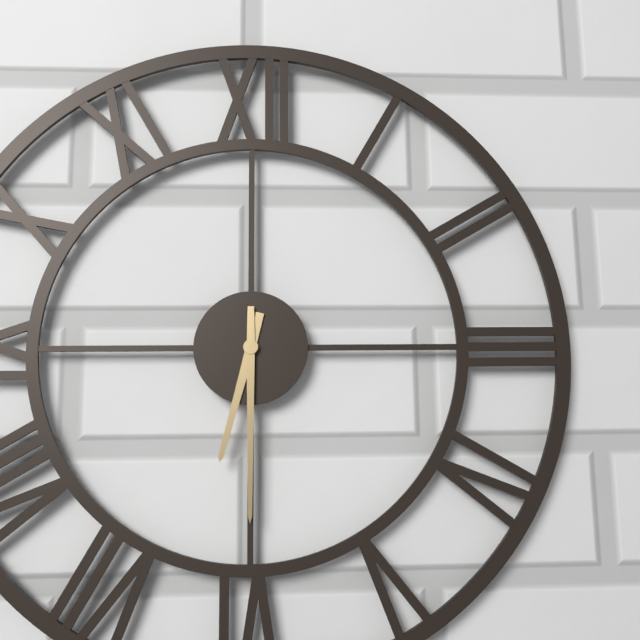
h=6 m=30
